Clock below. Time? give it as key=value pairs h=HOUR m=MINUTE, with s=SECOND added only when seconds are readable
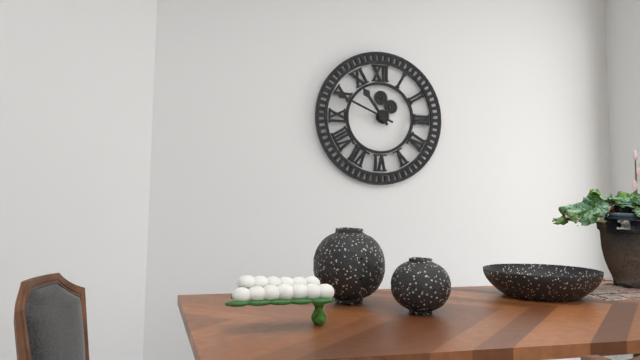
h=10 m=49
